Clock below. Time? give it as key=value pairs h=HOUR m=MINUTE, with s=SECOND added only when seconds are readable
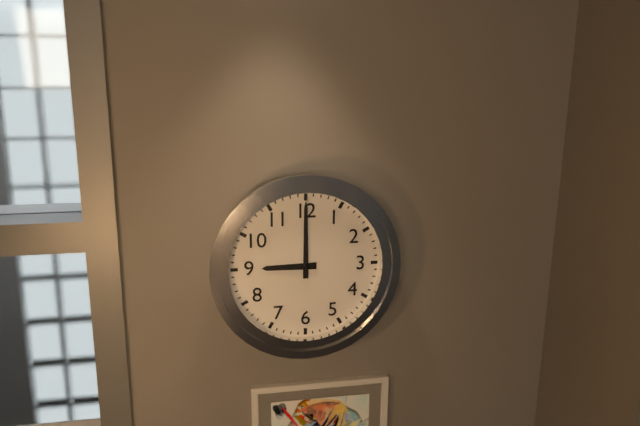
h=9 m=0
